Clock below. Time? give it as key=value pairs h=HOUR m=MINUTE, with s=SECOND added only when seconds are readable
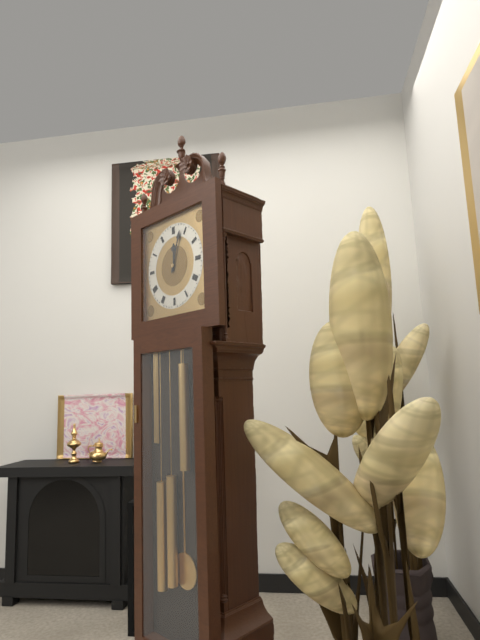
h=12 m=3
